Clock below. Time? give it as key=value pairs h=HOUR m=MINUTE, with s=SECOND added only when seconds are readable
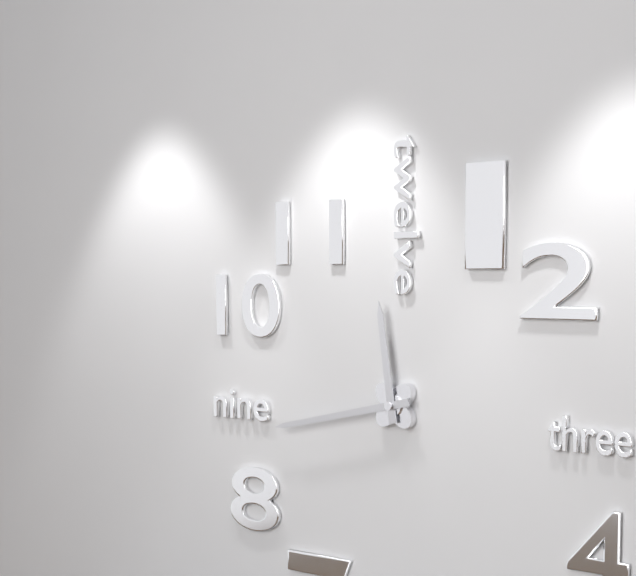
h=11 m=43
